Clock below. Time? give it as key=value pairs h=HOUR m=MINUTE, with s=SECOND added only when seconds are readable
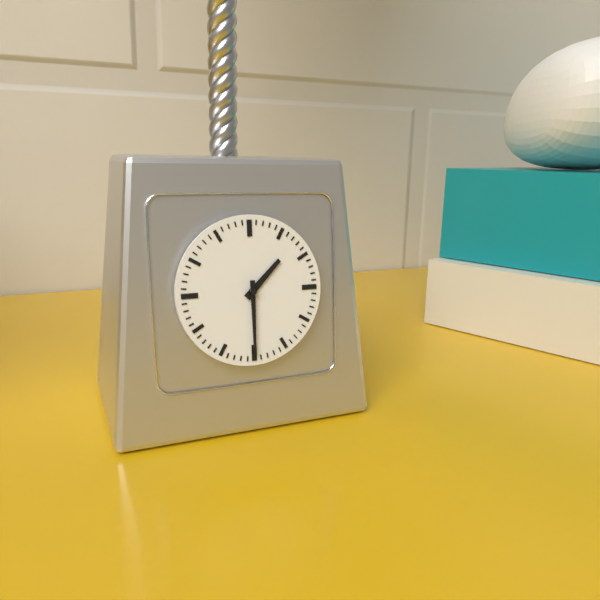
h=1 m=30
